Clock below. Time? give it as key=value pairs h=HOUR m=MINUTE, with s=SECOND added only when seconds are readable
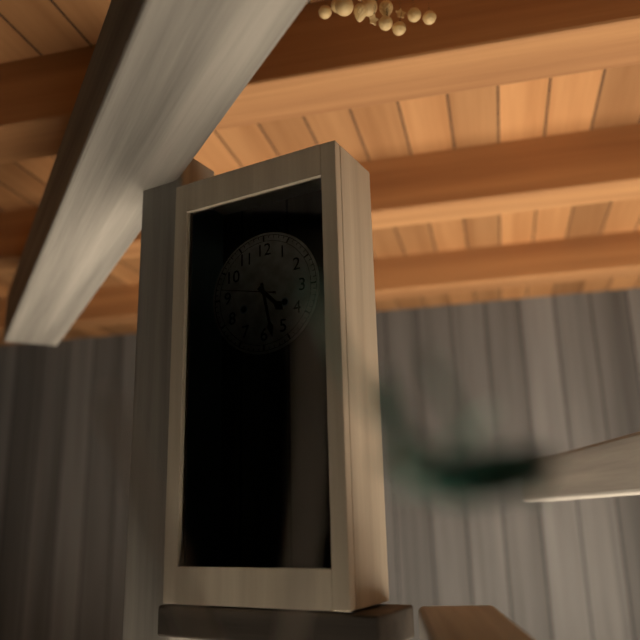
h=4 m=28 s=47
